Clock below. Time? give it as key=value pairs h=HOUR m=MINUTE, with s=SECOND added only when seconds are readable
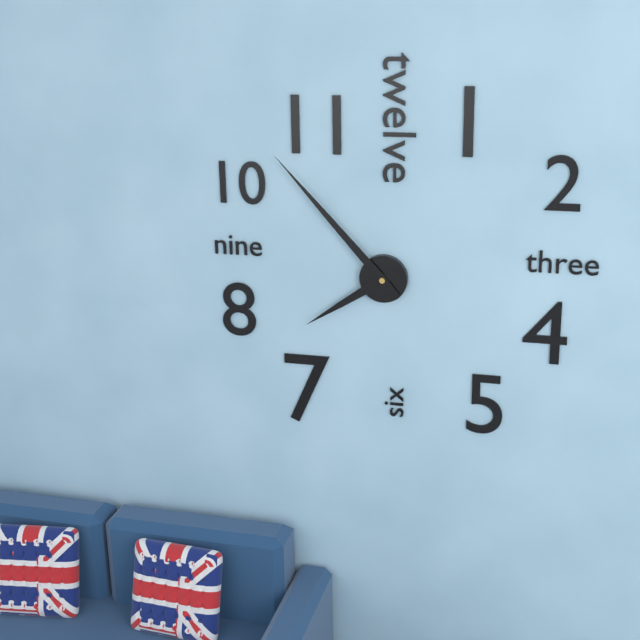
h=7 m=53
